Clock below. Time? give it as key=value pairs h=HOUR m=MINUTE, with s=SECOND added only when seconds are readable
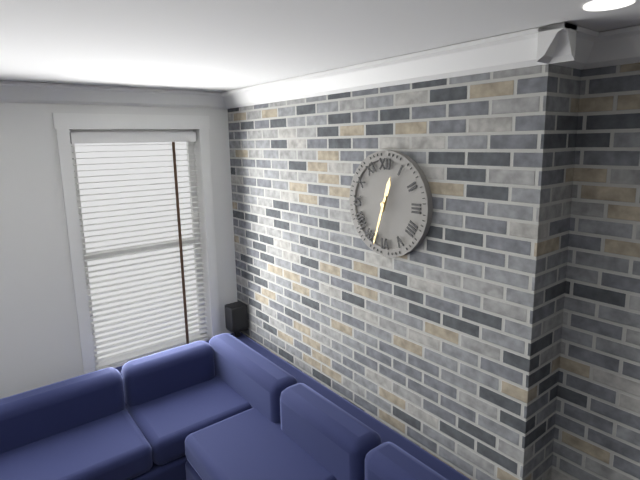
h=12 m=33
